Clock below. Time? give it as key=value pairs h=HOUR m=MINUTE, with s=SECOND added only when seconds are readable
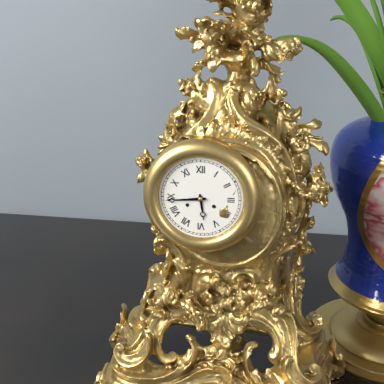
h=5 m=44
